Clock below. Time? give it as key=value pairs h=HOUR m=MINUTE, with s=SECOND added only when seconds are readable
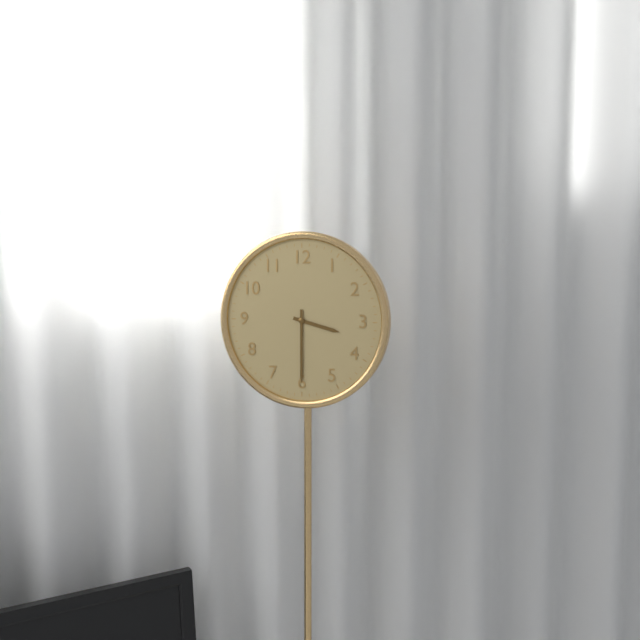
h=3 m=30
